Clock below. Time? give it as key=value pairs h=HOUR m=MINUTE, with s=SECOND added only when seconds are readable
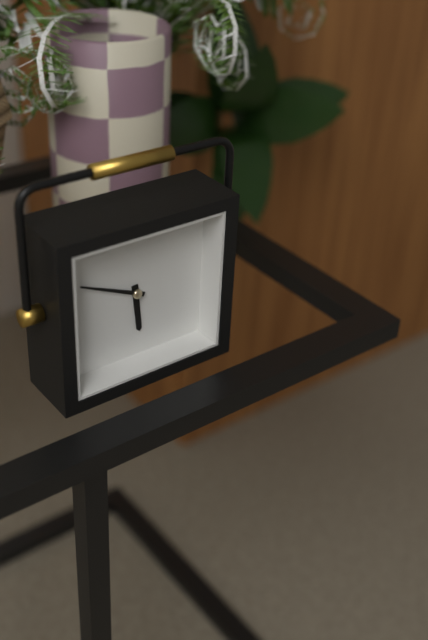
h=5 m=49
